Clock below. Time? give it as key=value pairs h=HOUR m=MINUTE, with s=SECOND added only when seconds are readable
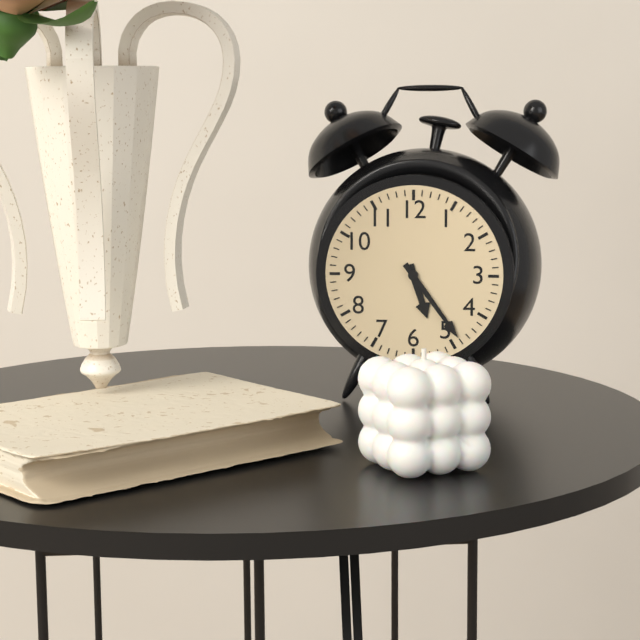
h=5 m=24
